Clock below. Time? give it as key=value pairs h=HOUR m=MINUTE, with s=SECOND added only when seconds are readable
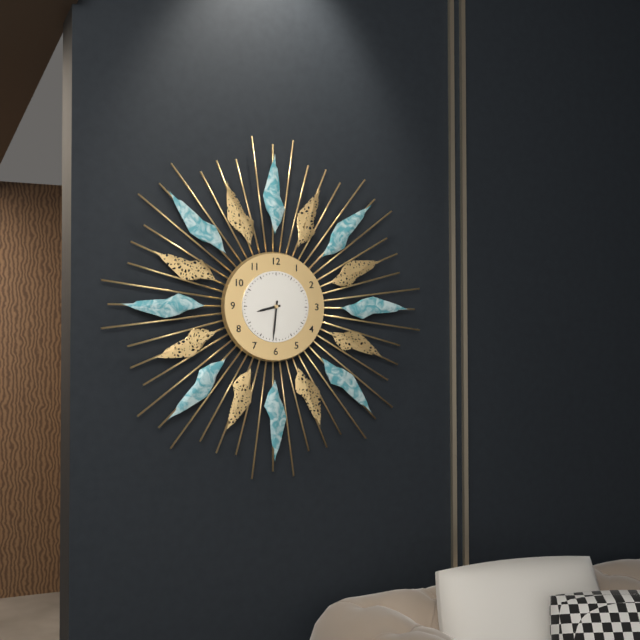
h=8 m=31
